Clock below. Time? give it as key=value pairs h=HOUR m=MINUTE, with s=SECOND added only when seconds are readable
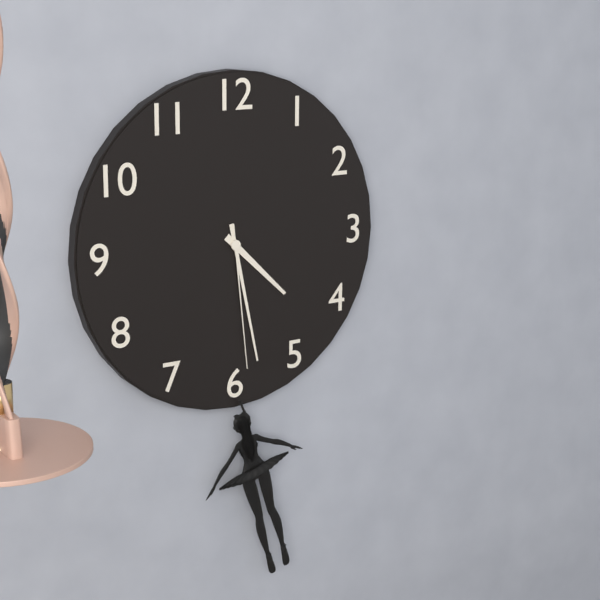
h=4 m=28 s=29
